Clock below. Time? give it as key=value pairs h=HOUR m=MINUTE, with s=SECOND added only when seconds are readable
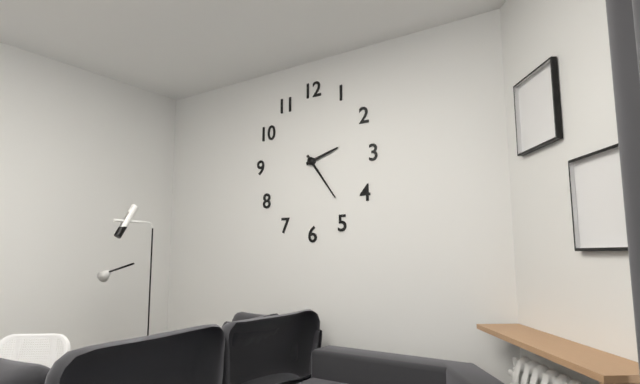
h=2 m=24
